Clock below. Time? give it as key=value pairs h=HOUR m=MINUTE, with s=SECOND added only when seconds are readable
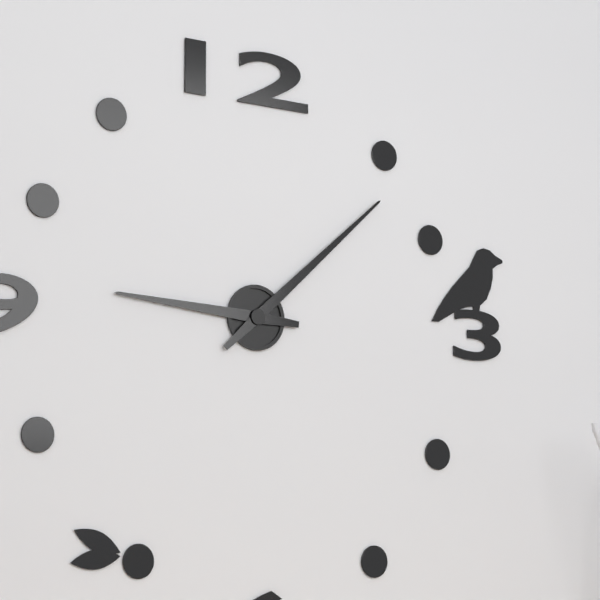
h=9 m=8
